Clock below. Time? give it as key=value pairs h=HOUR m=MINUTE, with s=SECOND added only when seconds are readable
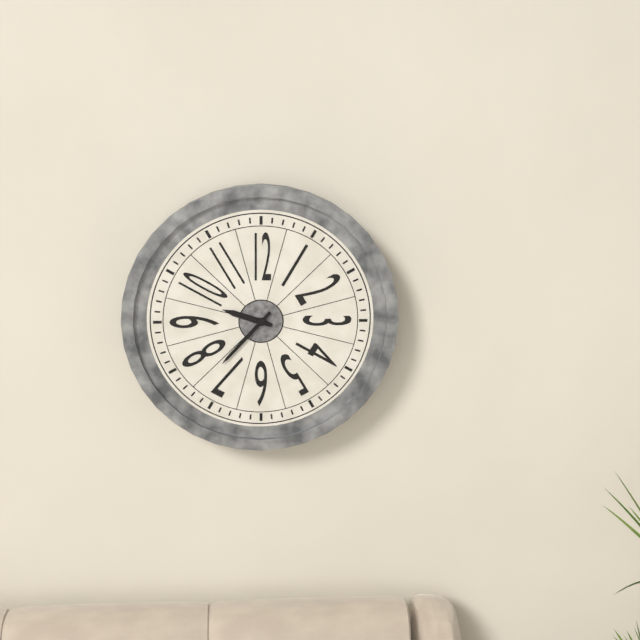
h=9 m=37
